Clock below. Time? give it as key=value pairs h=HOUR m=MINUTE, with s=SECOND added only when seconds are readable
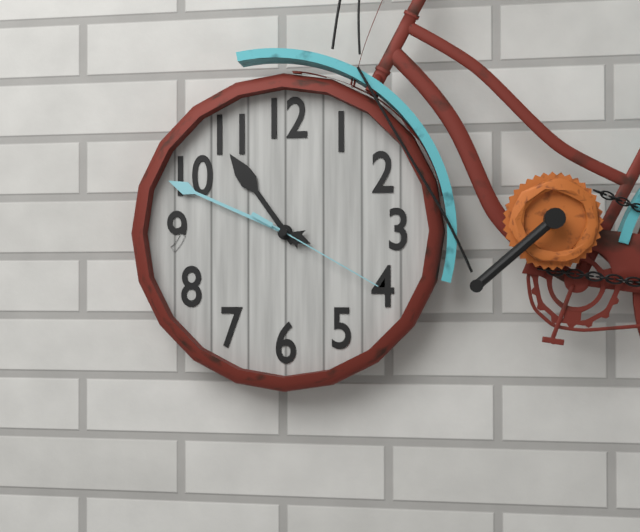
h=10 m=49 s=20
